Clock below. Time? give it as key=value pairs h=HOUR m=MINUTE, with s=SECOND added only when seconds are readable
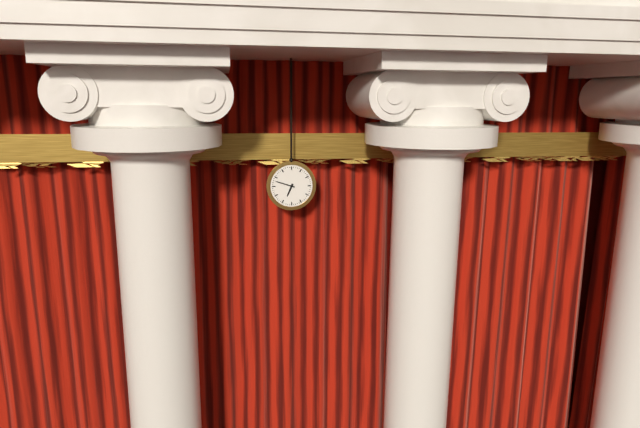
h=6 m=48
